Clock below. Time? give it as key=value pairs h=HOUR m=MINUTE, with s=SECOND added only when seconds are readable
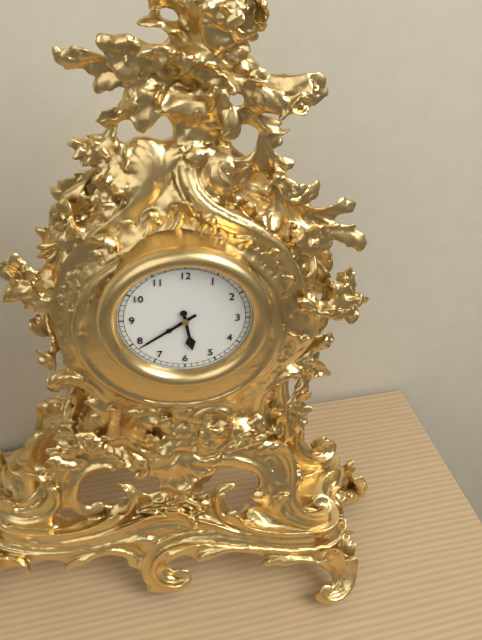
h=5 m=39
